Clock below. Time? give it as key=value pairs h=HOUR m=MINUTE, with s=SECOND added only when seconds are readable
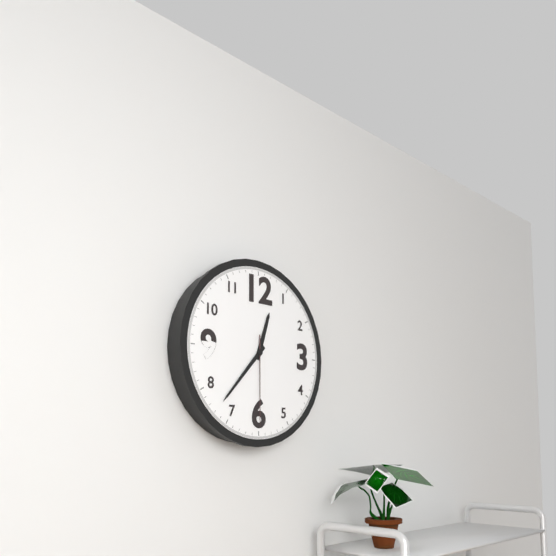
h=12 m=37 s=30
